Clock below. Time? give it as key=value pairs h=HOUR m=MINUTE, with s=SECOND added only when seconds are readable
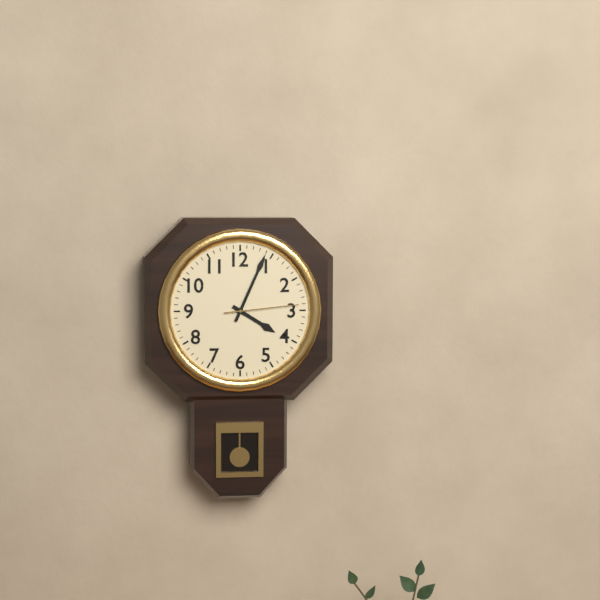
h=4 m=4 s=14
